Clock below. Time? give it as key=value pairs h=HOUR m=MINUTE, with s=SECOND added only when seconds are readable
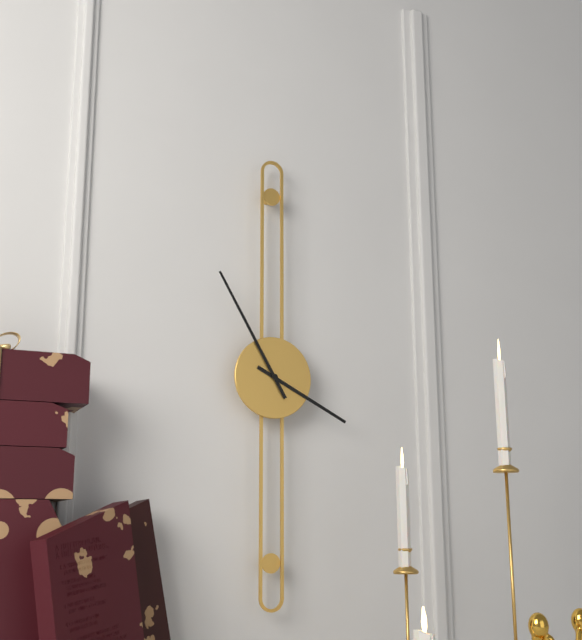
h=3 m=55
